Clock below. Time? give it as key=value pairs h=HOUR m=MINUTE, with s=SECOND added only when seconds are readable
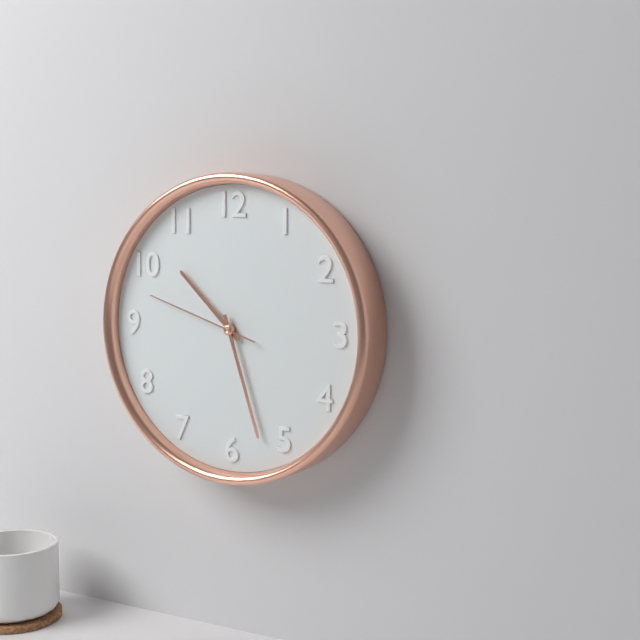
h=10 m=27 s=48
